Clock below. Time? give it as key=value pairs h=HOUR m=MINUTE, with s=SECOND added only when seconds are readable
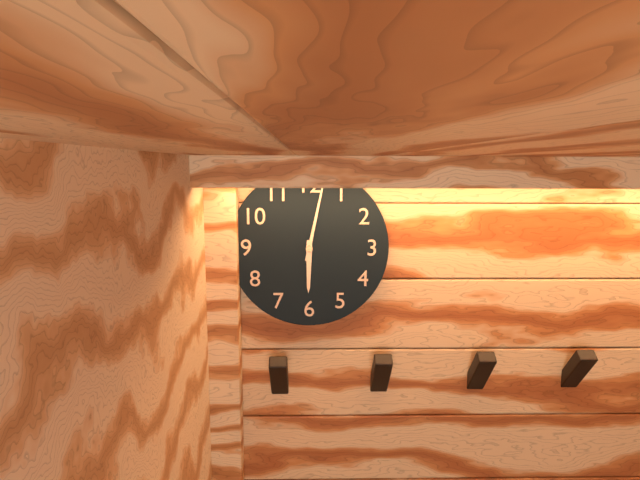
h=6 m=2
